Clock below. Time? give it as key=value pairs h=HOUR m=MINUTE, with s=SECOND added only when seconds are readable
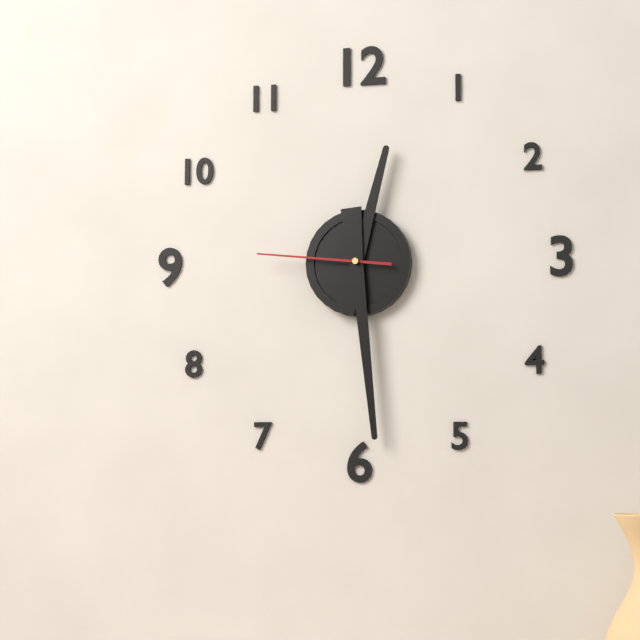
h=12 m=29 s=46
